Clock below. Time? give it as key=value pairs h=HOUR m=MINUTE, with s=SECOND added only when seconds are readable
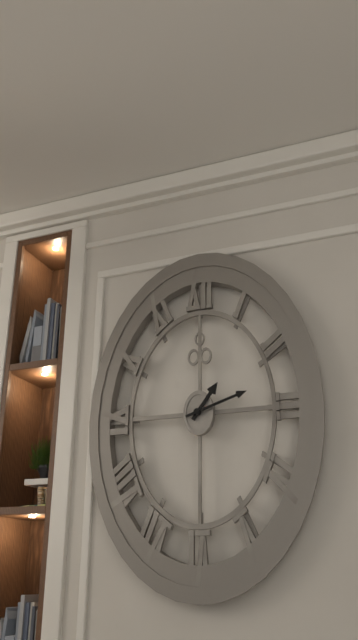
h=1 m=12
